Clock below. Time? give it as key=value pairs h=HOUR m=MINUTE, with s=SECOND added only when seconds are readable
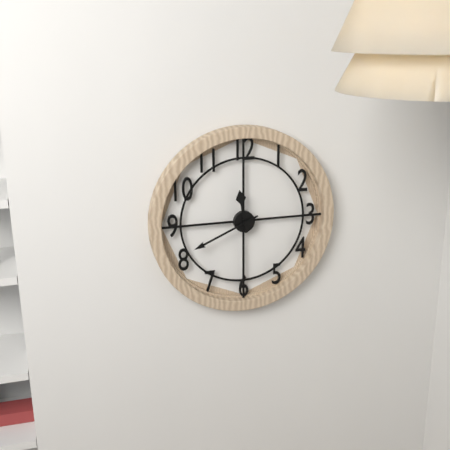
h=11 m=41
